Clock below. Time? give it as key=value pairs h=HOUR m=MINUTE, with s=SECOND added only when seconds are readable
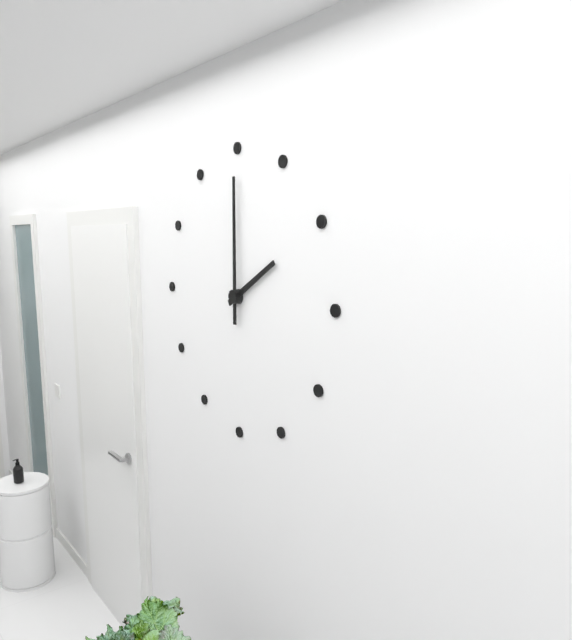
h=2 m=0
